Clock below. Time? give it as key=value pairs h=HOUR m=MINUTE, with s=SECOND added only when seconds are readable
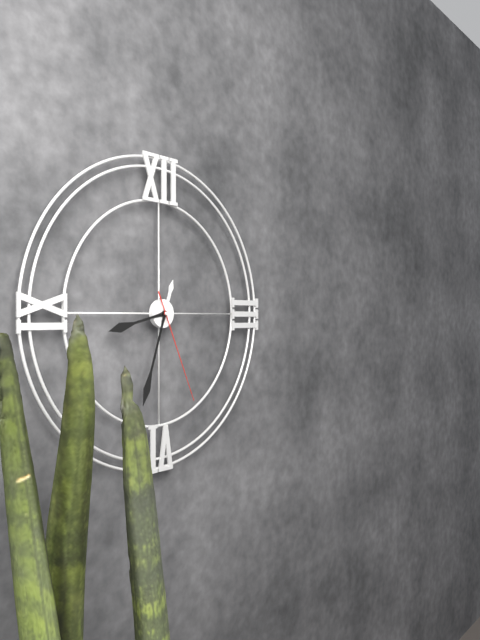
h=8 m=33 s=26
